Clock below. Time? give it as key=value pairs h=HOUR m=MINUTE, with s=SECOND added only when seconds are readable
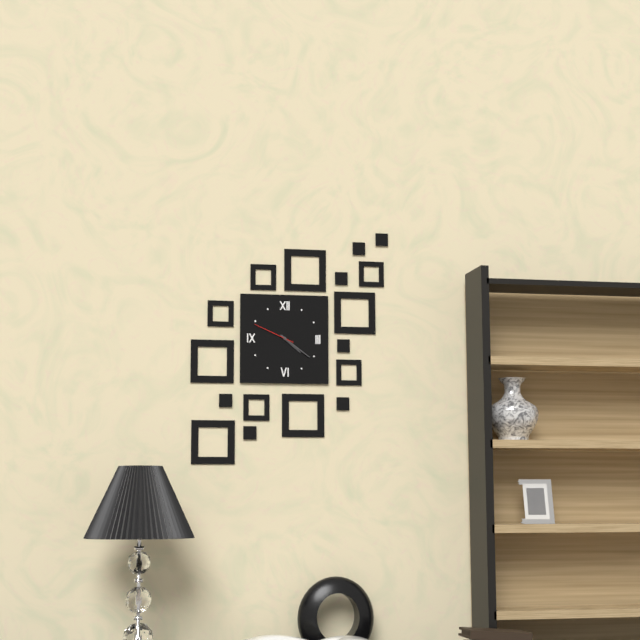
h=4 m=21
